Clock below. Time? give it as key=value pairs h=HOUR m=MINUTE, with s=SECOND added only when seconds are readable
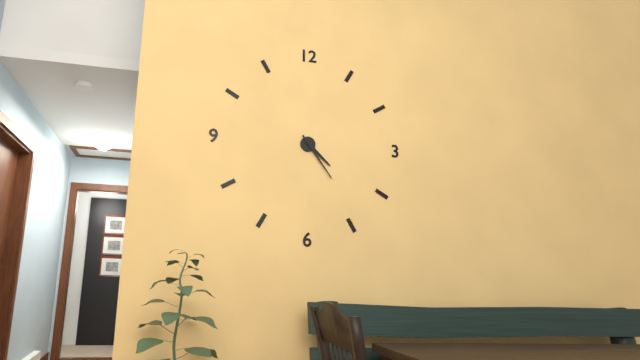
h=4 m=24
